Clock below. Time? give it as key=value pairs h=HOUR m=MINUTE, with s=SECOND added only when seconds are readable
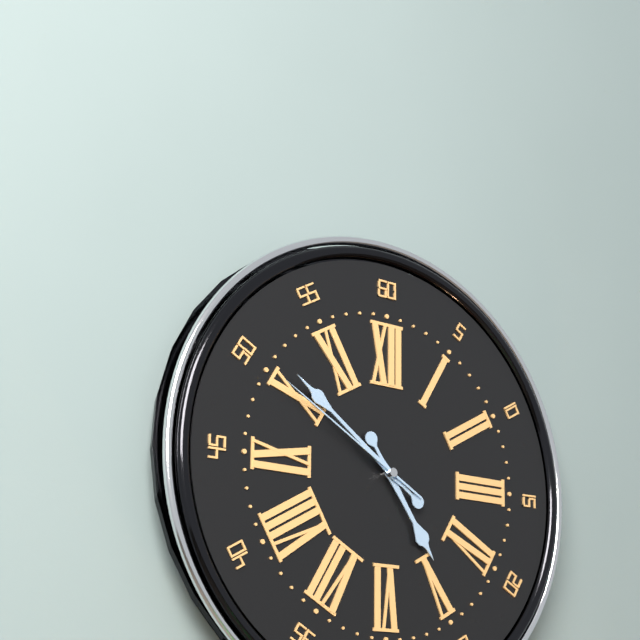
h=4 m=51 s=50
